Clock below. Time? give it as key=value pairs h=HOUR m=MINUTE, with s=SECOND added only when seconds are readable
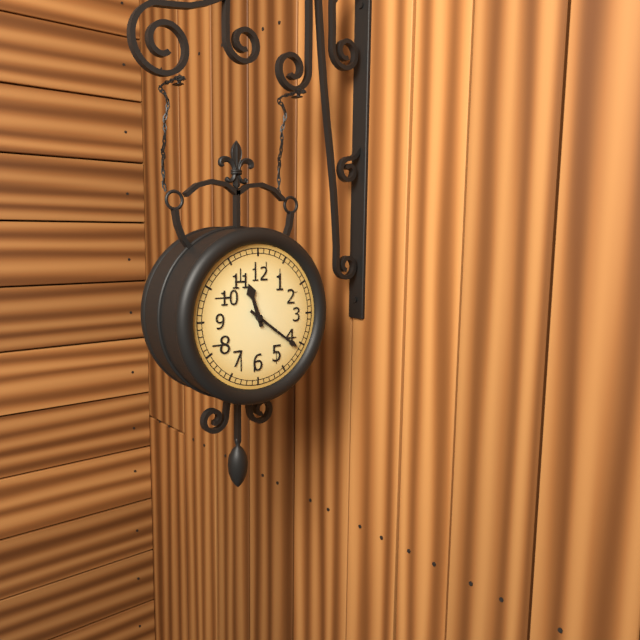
h=11 m=21
